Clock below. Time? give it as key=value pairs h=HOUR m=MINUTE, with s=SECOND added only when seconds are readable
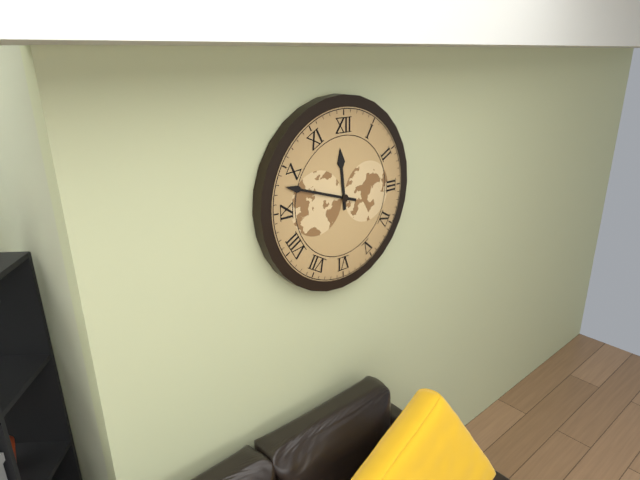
h=11 m=48
